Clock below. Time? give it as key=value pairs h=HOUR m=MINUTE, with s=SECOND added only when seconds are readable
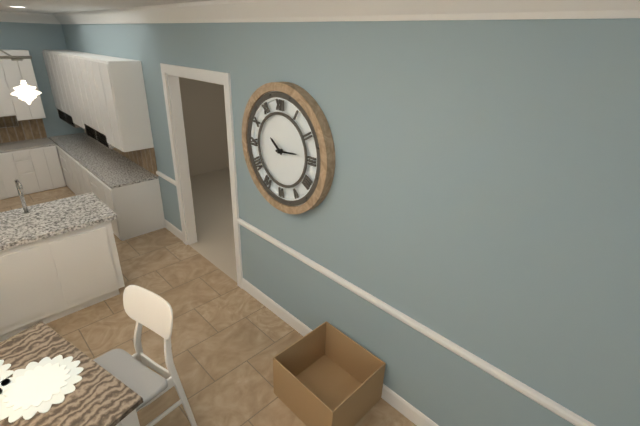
h=10 m=14
